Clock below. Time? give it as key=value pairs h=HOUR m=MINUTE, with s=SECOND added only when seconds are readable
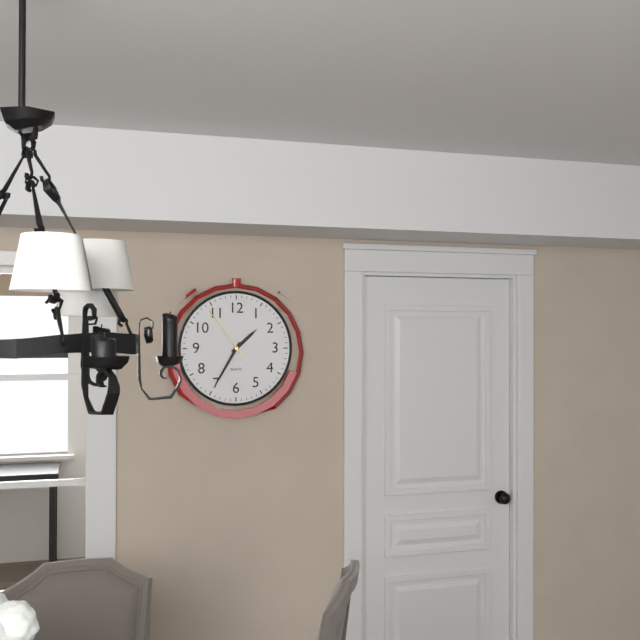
h=1 m=35 s=54
